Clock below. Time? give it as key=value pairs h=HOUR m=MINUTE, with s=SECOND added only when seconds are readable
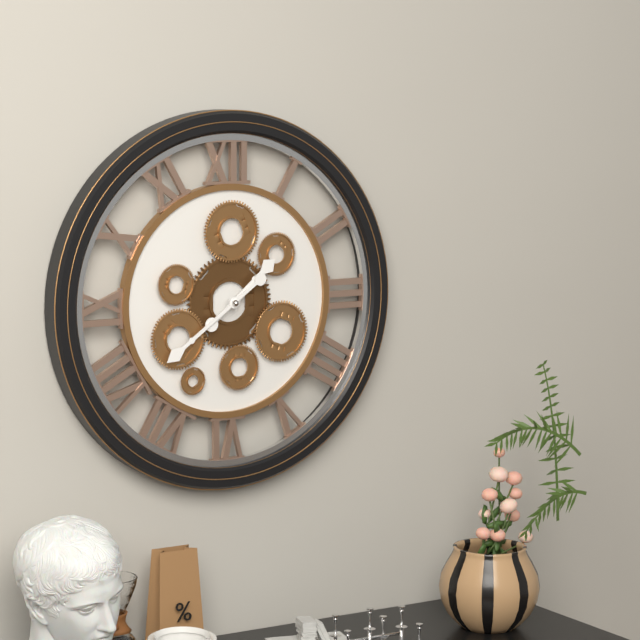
h=1 m=39
